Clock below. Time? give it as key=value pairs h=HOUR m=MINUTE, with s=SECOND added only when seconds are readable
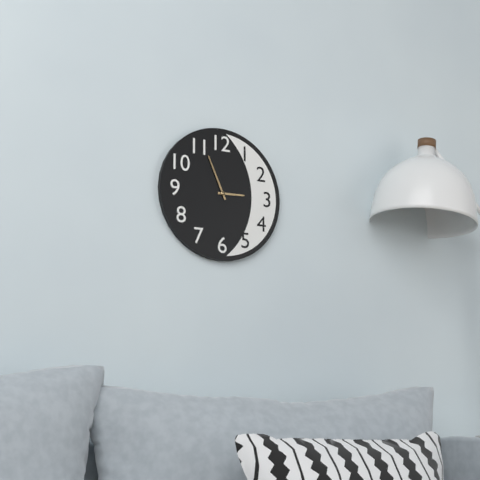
h=2 m=56
